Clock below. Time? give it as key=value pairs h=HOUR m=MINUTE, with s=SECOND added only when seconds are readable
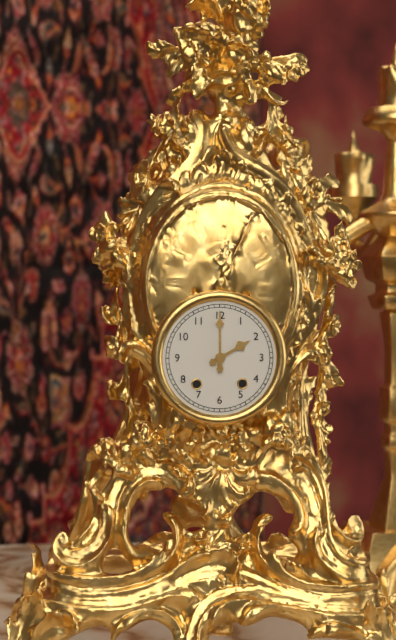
h=2 m=0
